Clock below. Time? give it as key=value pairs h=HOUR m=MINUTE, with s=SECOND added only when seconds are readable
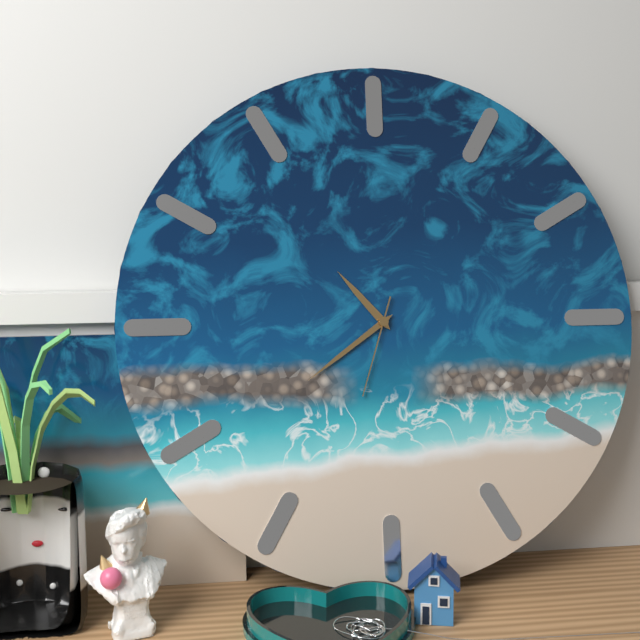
h=10 m=39 s=33
